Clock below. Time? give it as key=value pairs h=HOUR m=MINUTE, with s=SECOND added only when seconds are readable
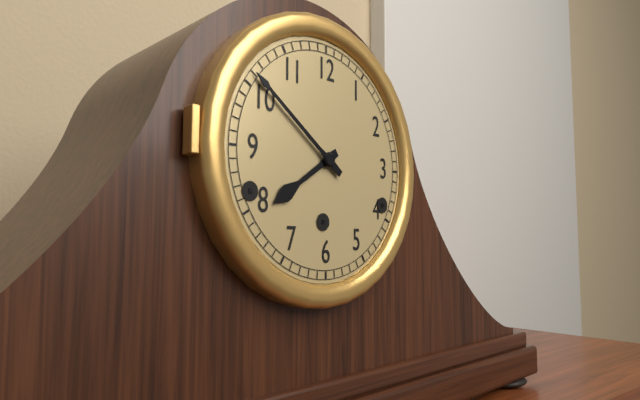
h=7 m=51
